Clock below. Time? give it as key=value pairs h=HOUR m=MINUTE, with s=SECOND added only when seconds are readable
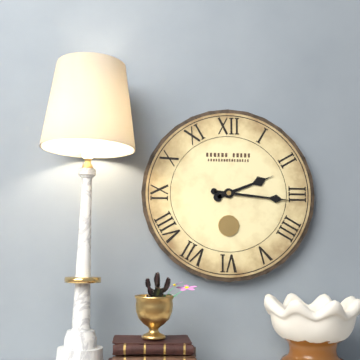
h=2 m=16
